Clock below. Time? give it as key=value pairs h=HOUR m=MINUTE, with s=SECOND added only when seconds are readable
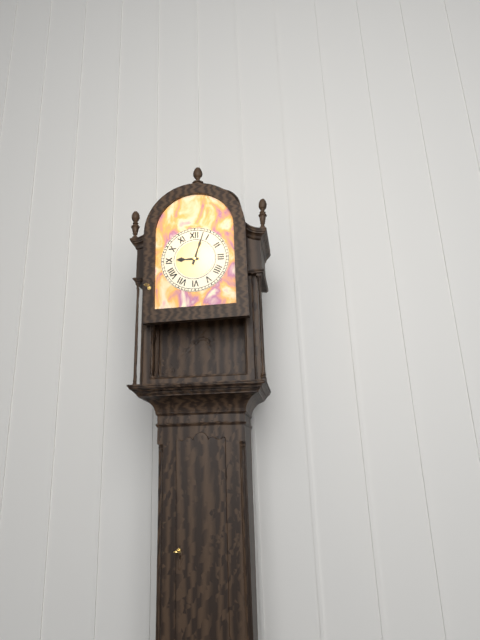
h=9 m=3
